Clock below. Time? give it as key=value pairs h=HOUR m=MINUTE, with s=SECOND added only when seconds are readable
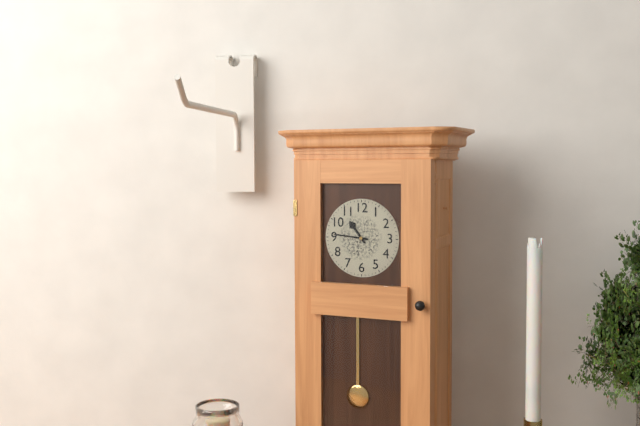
h=10 m=46
